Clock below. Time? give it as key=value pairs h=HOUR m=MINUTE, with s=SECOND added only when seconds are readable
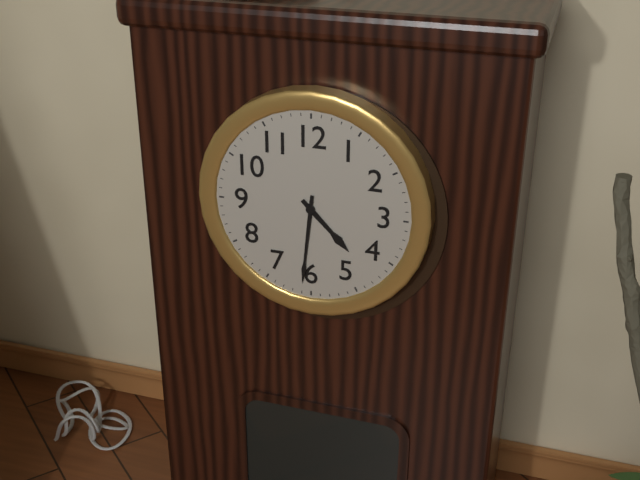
h=4 m=31
